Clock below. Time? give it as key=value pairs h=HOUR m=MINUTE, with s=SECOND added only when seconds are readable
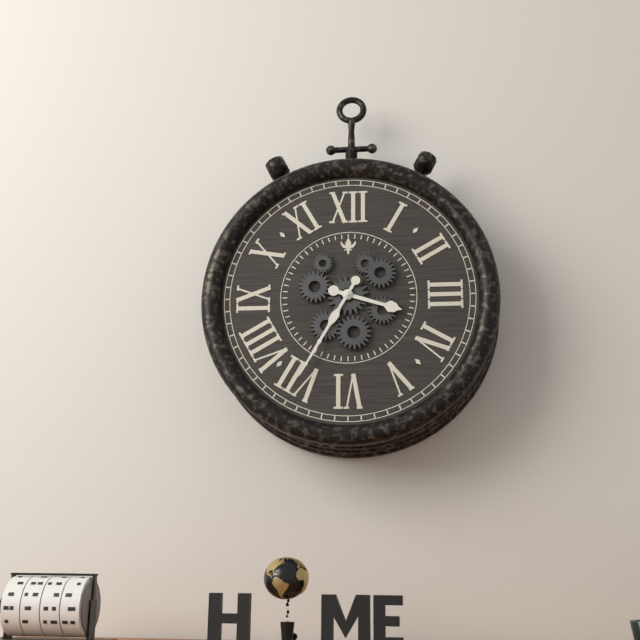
h=3 m=35
